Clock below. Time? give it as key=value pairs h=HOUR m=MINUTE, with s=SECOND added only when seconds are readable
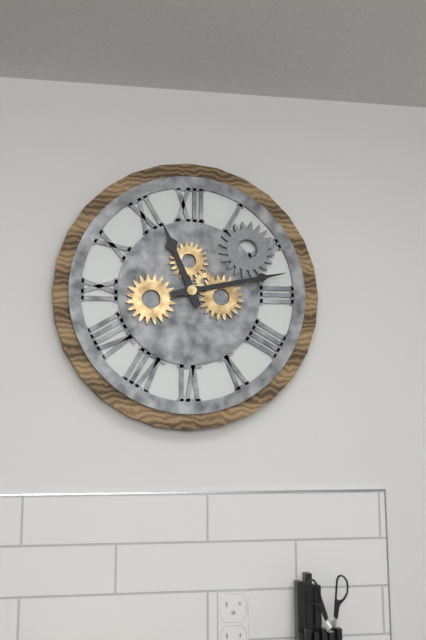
h=11 m=13
